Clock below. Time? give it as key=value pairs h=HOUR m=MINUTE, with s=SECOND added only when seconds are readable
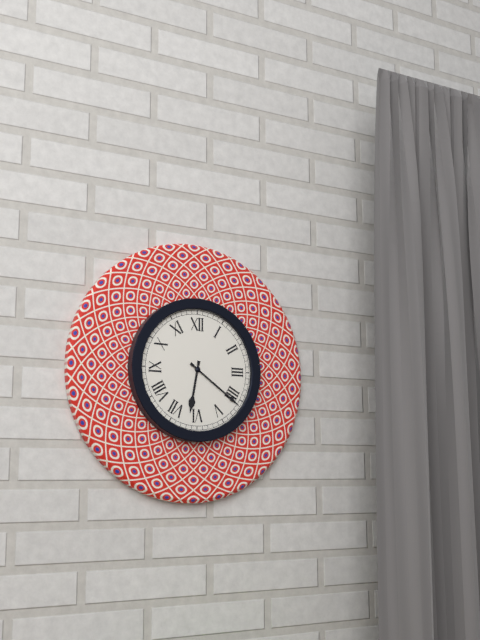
h=6 m=21
